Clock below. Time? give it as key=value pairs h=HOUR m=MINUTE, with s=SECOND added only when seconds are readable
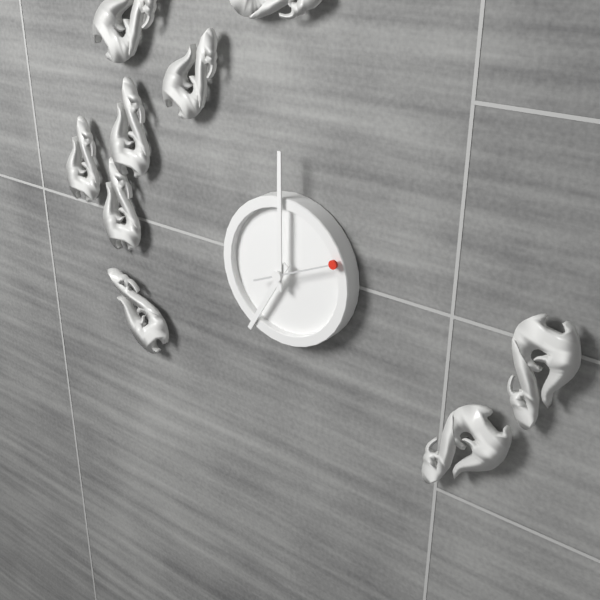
h=7 m=0 s=11
